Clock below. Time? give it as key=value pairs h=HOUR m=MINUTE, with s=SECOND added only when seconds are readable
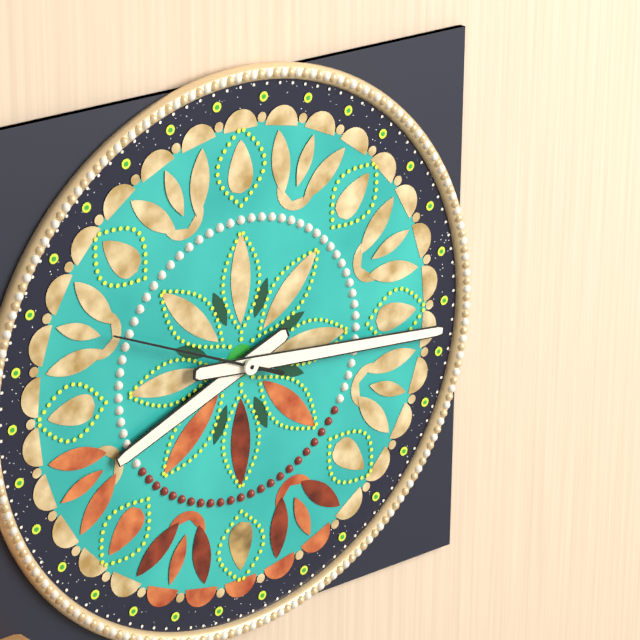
h=8 m=16 s=49
